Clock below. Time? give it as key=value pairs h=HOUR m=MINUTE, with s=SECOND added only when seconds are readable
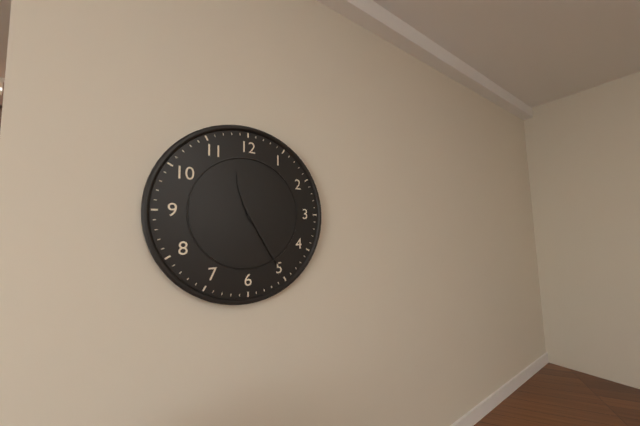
h=11 m=25
